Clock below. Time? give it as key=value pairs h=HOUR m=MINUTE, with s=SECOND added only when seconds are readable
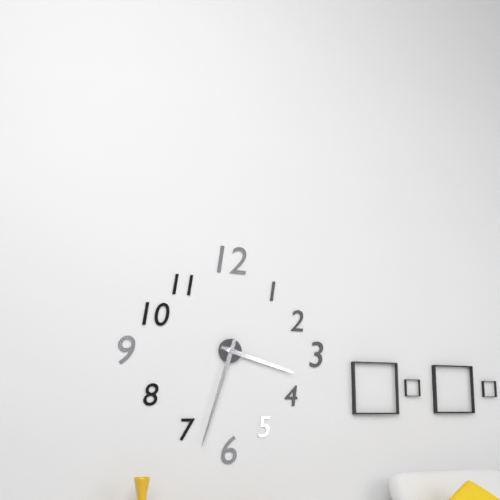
h=3 m=33
